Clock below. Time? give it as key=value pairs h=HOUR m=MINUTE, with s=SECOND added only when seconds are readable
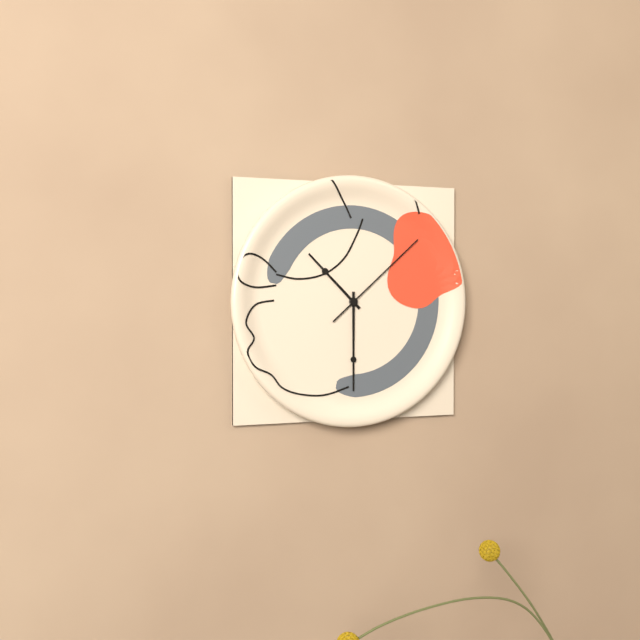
h=10 m=30 s=8
